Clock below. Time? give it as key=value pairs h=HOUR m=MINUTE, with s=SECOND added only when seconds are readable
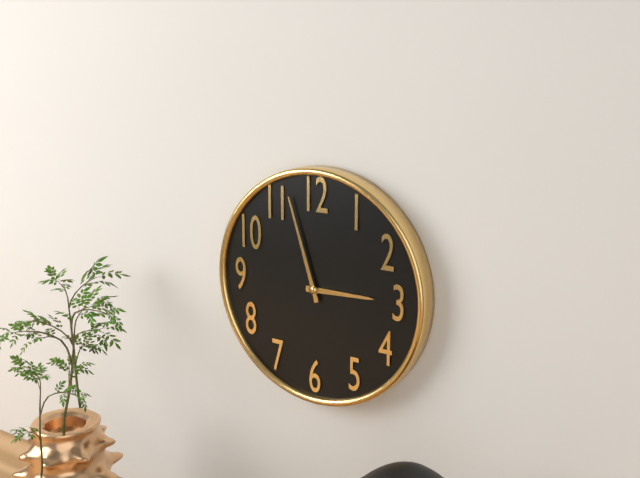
h=2 m=57
